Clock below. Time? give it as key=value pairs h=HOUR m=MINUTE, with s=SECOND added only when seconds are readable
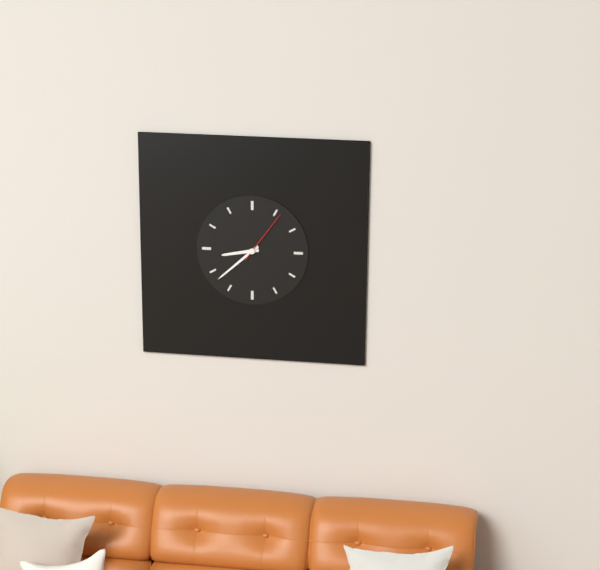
h=8 m=38 s=6
